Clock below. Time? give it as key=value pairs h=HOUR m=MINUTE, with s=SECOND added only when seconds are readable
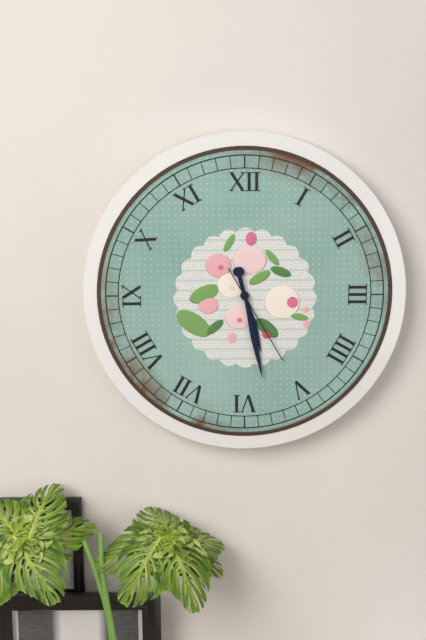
h=5 m=28 s=25
